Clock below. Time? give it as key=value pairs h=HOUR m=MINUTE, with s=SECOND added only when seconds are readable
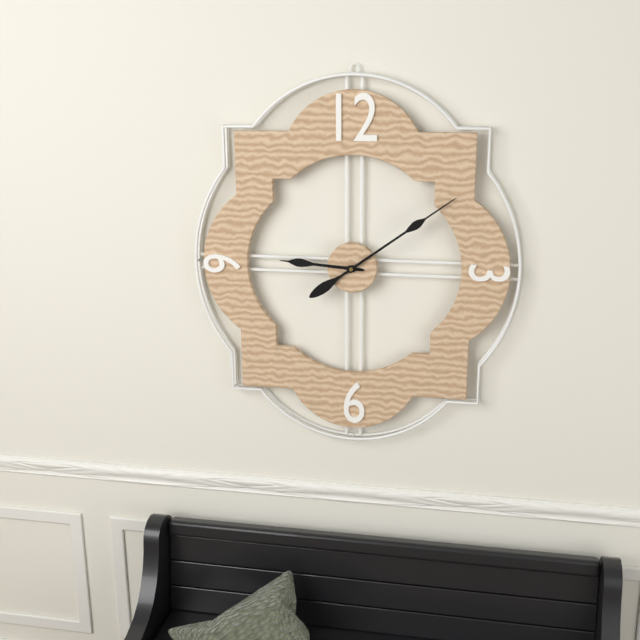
h=9 m=9
